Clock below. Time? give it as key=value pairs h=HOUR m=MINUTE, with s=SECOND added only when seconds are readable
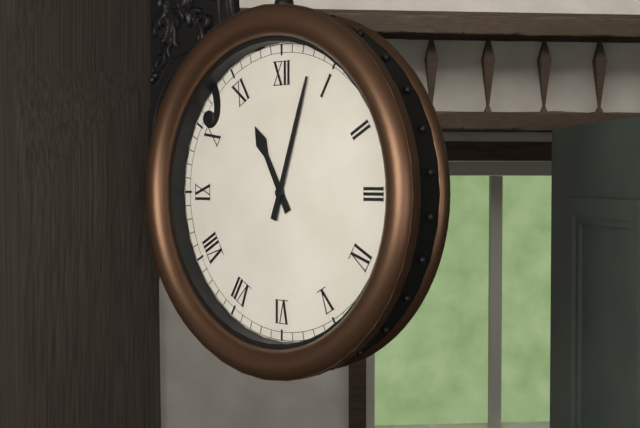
h=11 m=3
